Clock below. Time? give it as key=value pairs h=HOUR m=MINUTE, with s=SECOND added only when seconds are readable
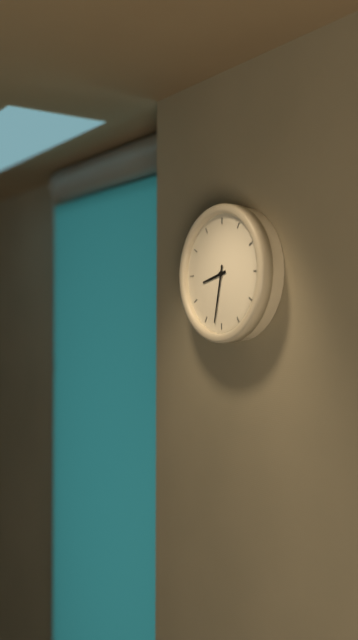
h=8 m=32
